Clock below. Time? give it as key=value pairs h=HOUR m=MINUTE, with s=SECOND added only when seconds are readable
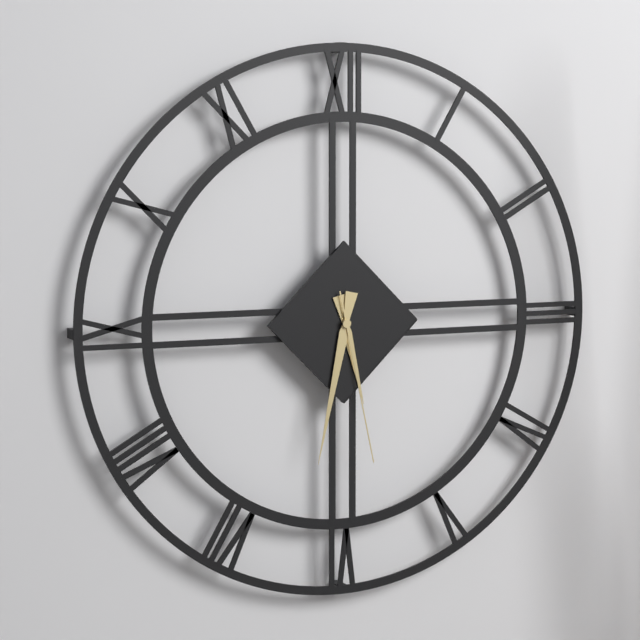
h=5 m=32 s=28
